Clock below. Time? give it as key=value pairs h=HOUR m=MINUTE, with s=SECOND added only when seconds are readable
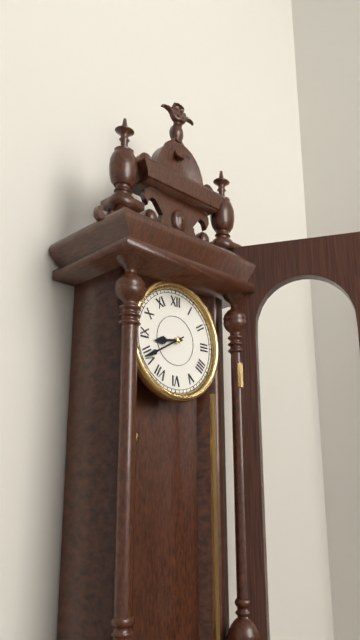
h=8 m=40
